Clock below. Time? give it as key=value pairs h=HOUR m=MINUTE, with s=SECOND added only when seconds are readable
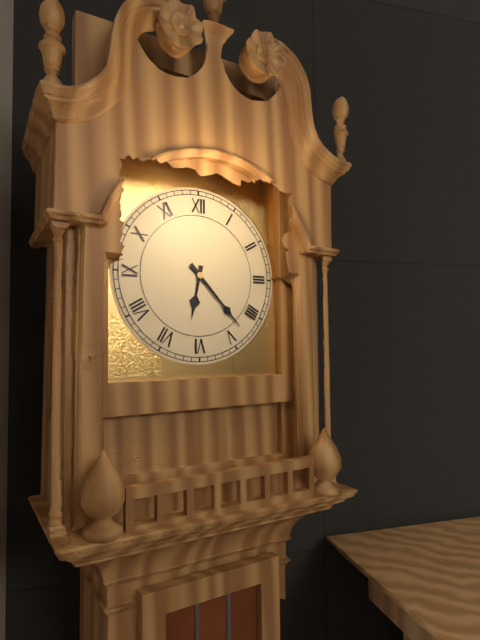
h=6 m=23
